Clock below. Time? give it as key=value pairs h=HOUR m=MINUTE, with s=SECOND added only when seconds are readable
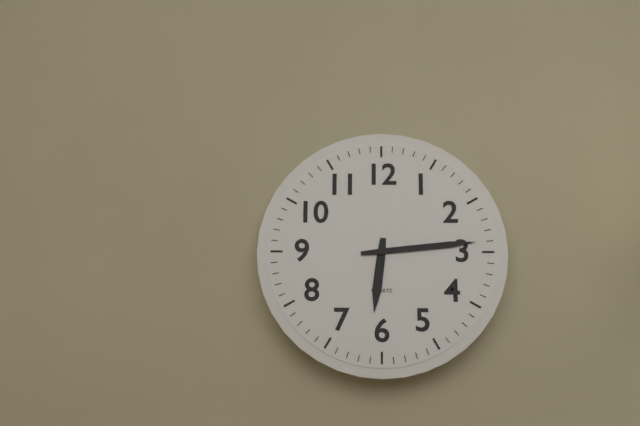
h=6 m=14
